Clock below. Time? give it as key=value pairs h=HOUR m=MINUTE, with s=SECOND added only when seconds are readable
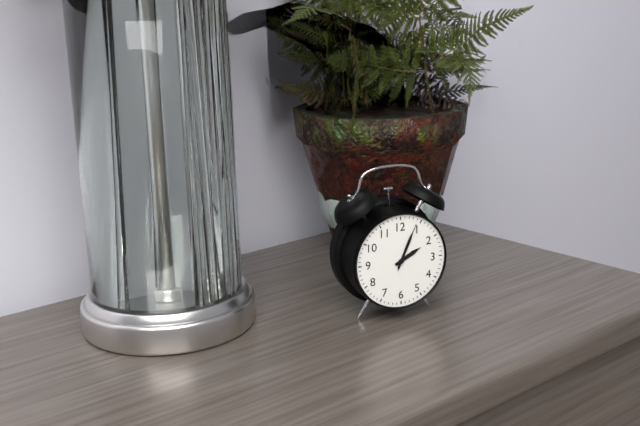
h=2 m=4 s=4
